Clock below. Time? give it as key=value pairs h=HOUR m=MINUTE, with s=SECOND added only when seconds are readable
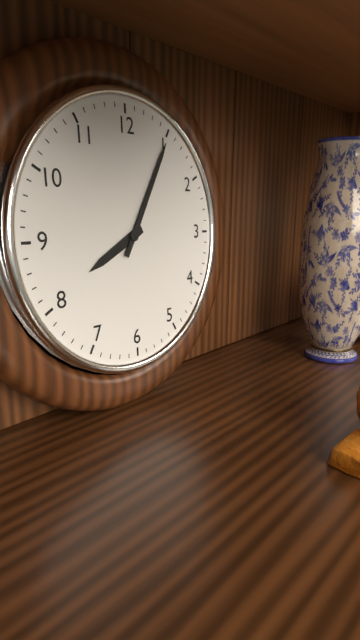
h=8 m=5
